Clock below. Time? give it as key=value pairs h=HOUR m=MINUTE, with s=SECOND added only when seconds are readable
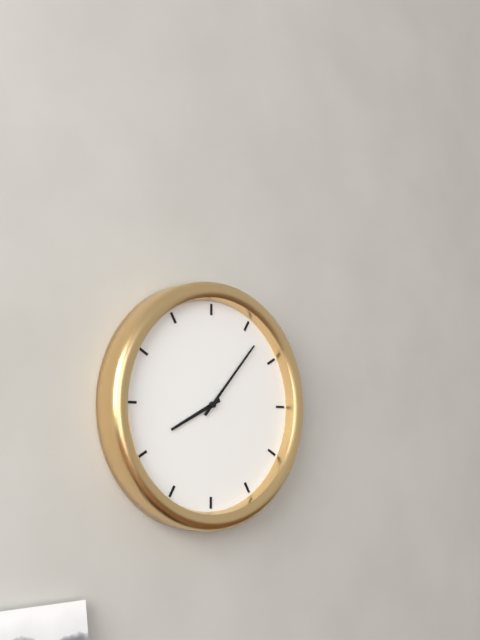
h=8 m=7
